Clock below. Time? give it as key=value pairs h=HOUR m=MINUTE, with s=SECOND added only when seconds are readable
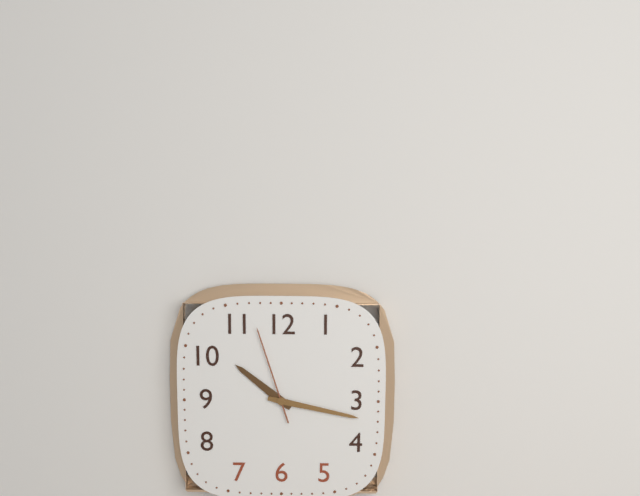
h=10 m=17 s=57
